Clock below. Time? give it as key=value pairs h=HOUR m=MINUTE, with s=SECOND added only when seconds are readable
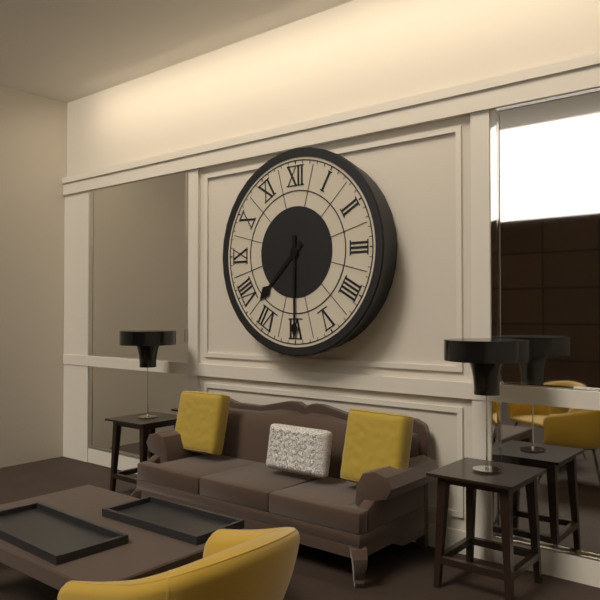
h=7 m=30
